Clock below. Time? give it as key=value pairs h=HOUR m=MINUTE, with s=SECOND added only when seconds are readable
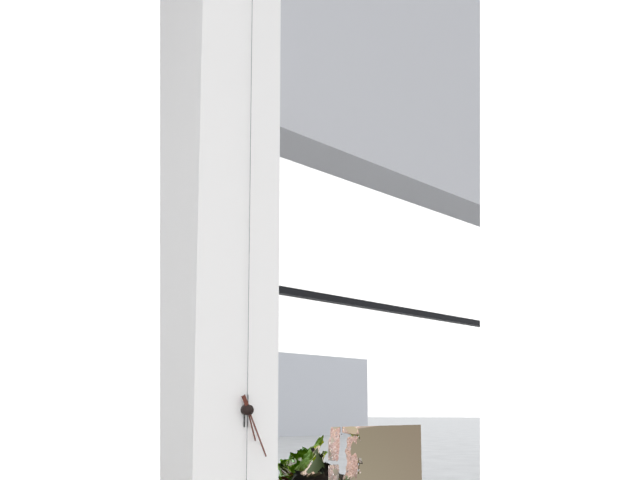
h=5 m=26
